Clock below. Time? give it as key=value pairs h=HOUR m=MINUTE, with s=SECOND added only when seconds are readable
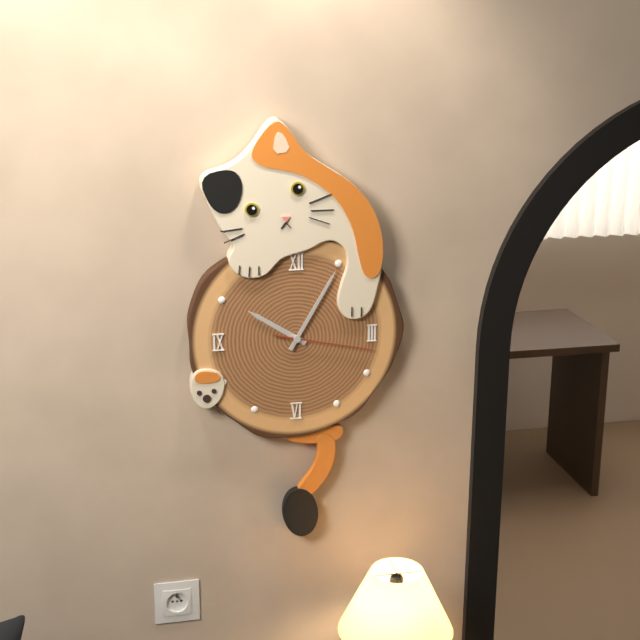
h=10 m=5 s=17
